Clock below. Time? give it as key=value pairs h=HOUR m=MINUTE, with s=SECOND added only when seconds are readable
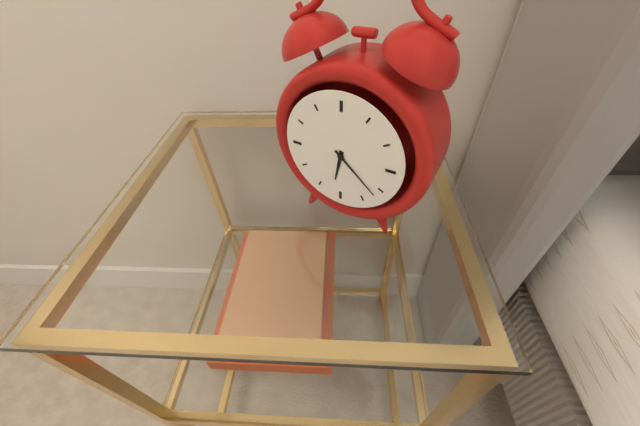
h=6 m=22
